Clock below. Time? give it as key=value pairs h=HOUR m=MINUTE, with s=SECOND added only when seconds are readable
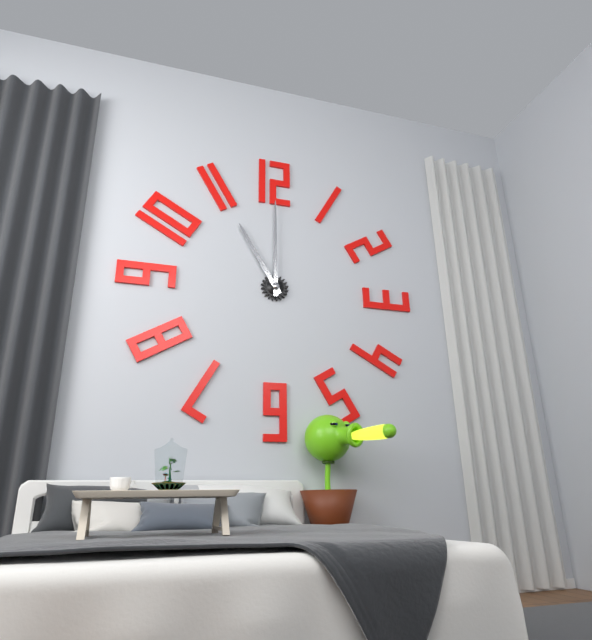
h=11 m=0
